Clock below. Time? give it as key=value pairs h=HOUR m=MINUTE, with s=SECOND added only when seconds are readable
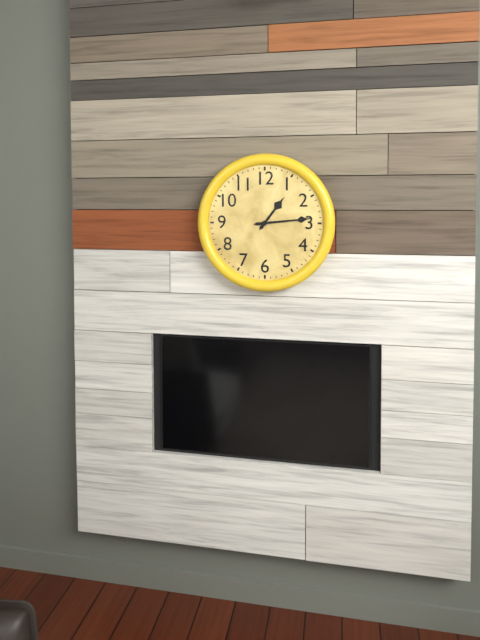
h=1 m=14
